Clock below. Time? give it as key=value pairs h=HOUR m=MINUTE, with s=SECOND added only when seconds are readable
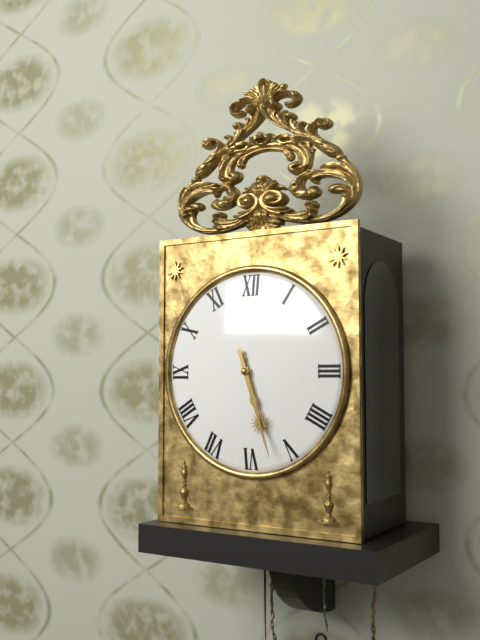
h=5 m=27
